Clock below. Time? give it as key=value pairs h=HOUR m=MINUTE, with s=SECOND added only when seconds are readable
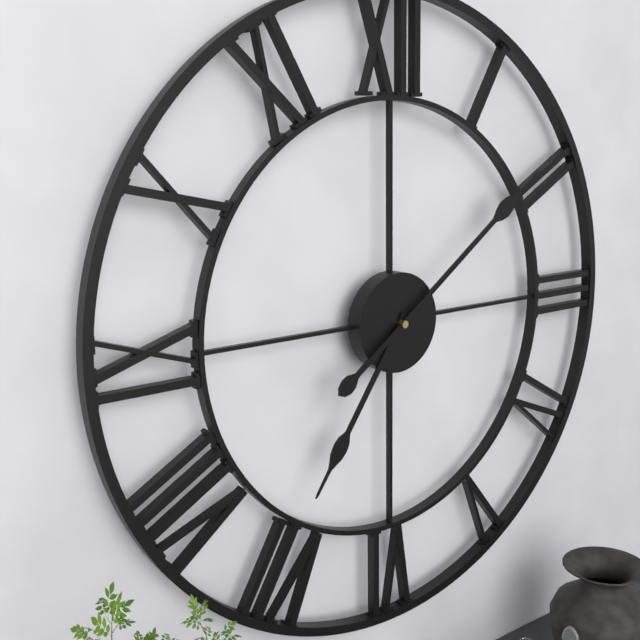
h=7 m=9
